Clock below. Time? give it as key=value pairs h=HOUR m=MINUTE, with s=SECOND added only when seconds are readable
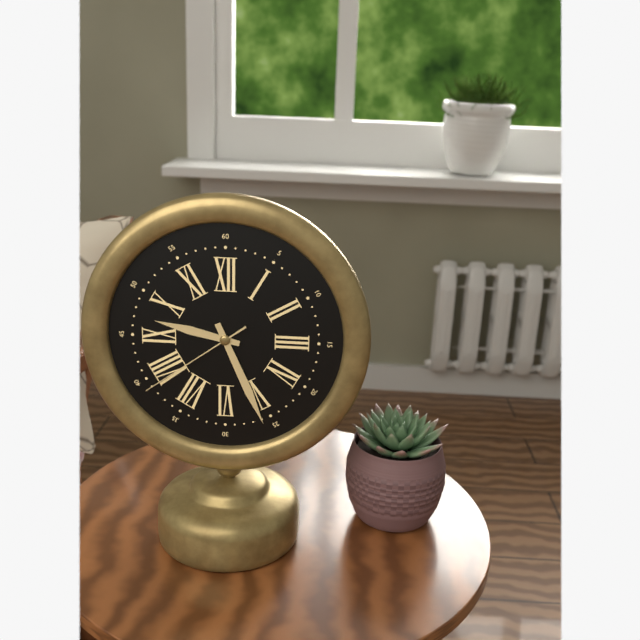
h=9 m=26 s=39
